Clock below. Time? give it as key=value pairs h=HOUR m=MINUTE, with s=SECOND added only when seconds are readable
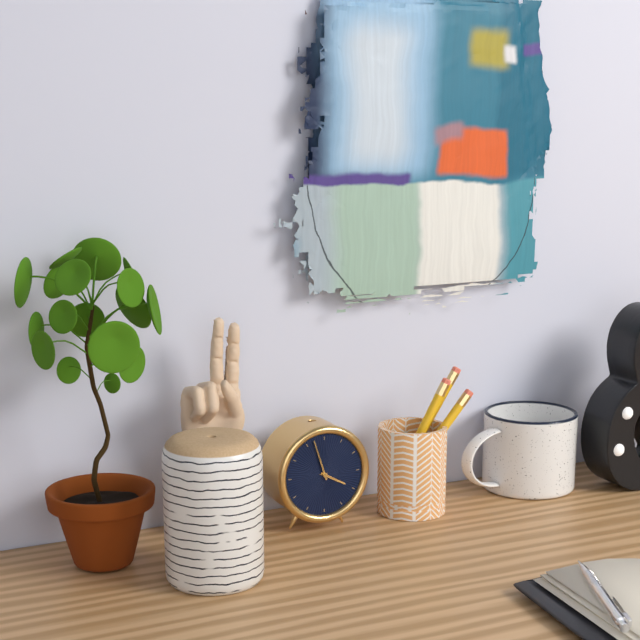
h=3 m=57
